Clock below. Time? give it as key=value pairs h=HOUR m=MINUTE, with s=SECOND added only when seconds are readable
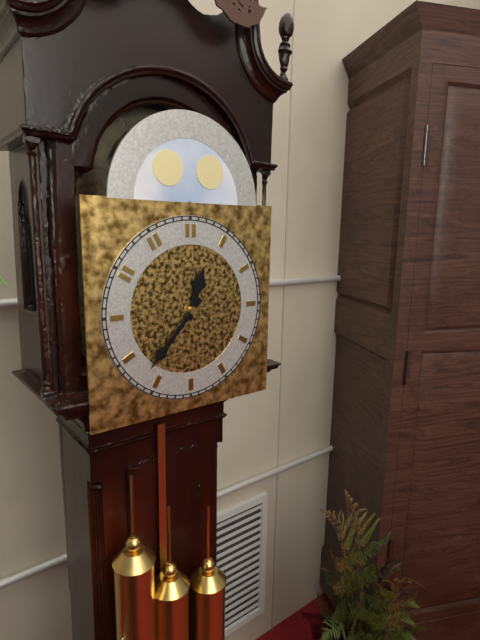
h=12 m=37
